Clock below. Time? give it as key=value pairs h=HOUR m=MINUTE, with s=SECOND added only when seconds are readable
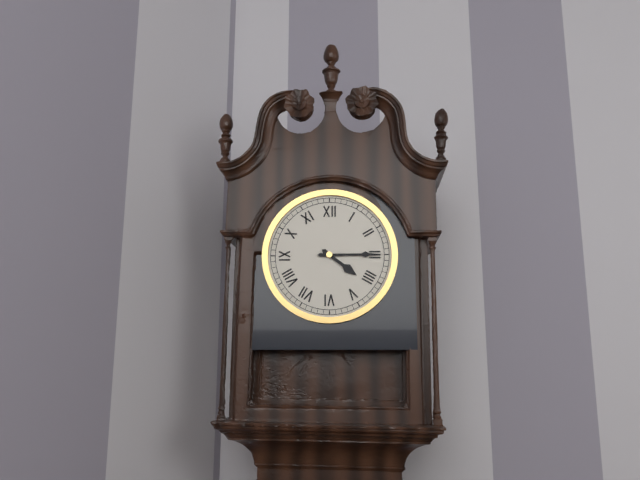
h=4 m=15
